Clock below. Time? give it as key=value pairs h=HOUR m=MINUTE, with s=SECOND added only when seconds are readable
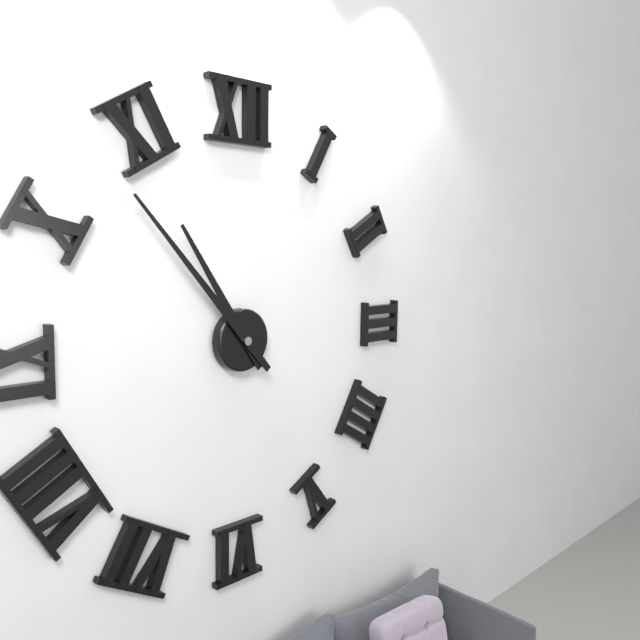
h=10 m=53
